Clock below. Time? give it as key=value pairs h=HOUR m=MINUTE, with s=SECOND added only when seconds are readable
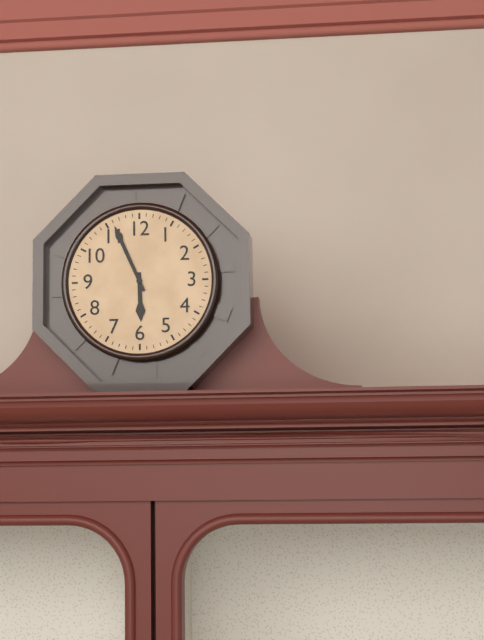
h=5 m=56
